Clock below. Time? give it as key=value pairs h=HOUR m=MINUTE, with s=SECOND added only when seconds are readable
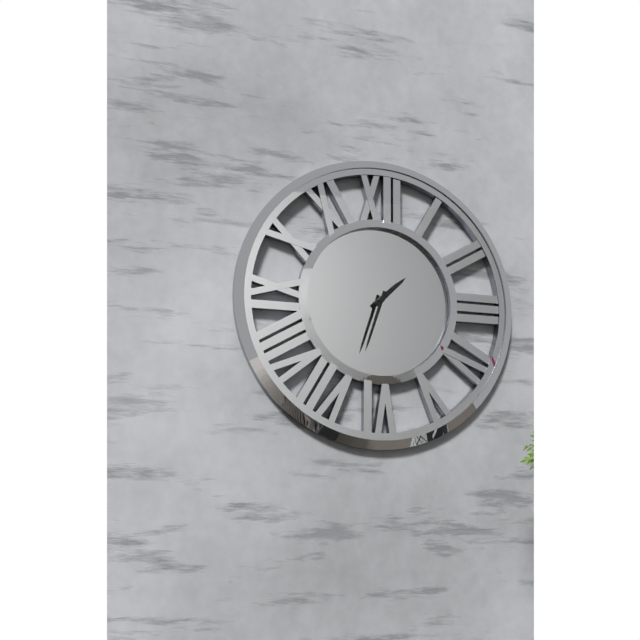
h=1 m=33
